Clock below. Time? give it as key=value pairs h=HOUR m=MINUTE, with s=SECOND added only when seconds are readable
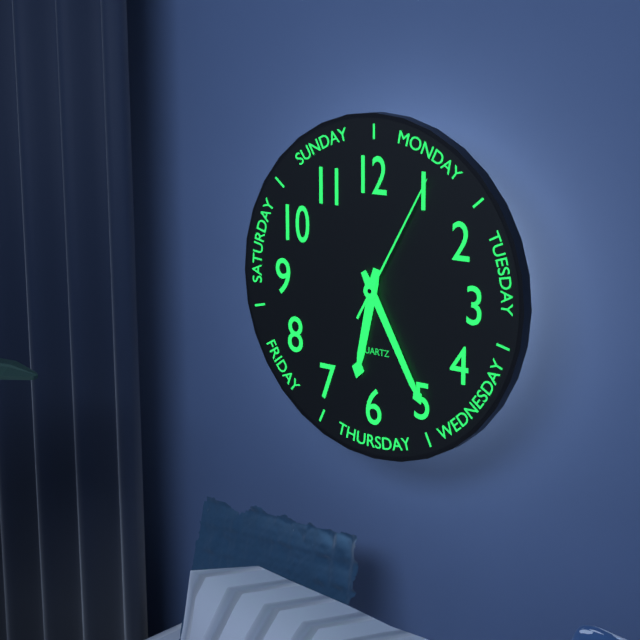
h=6 m=25 s=5
